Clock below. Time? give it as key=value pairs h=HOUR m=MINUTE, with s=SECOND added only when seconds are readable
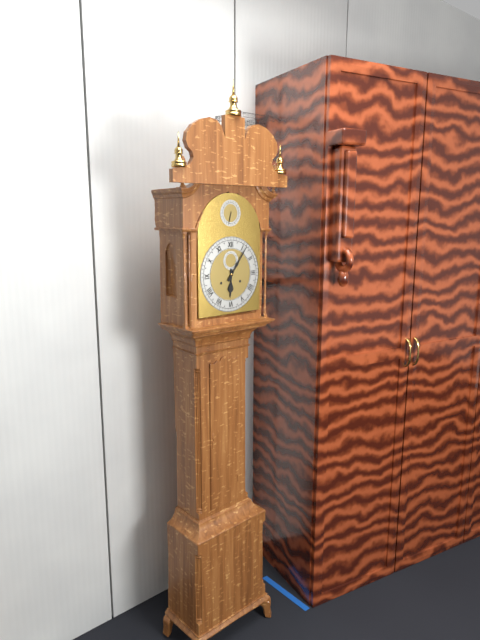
h=6 m=6
